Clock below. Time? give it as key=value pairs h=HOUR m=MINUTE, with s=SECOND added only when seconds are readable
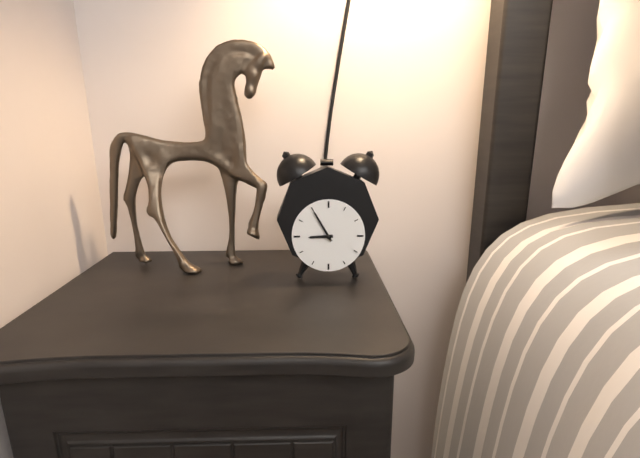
h=8 m=55
